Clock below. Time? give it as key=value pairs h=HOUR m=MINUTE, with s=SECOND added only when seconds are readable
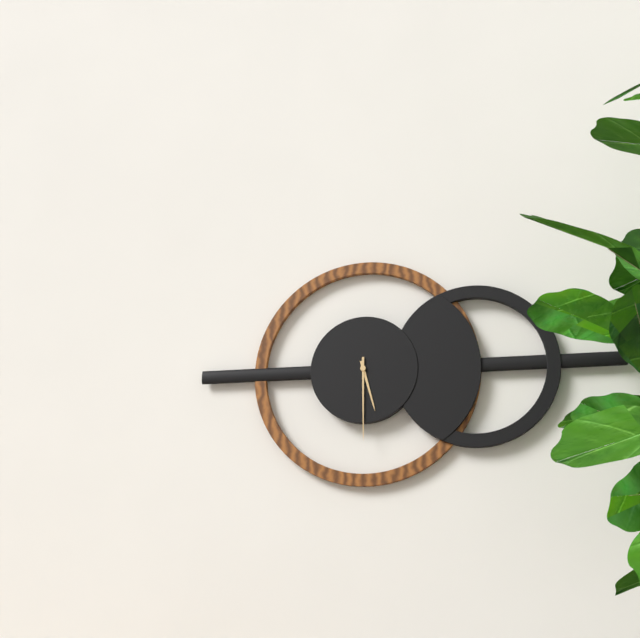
h=5 m=30
